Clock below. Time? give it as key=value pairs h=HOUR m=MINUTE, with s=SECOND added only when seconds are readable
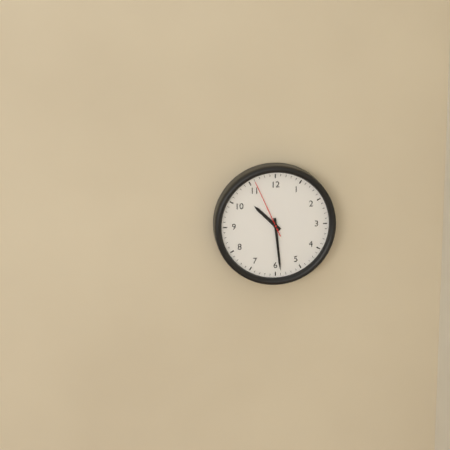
h=10 m=29 s=56
